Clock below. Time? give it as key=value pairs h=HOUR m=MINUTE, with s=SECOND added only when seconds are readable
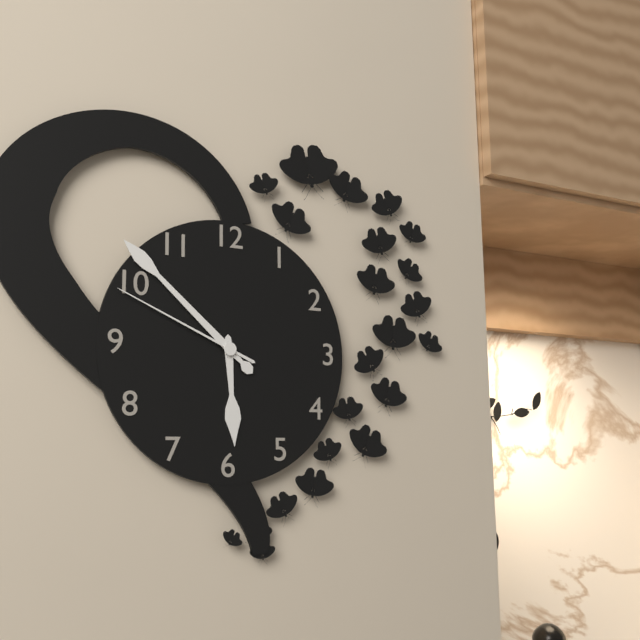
h=5 m=52 s=49
